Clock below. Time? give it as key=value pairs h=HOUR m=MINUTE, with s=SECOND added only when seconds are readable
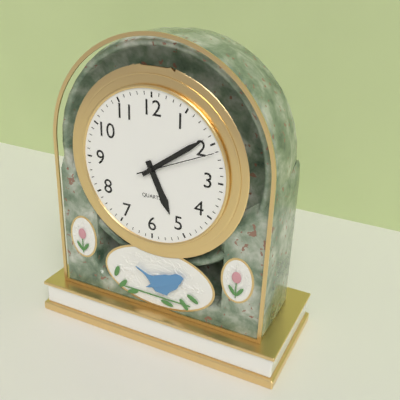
h=5 m=9 s=11
